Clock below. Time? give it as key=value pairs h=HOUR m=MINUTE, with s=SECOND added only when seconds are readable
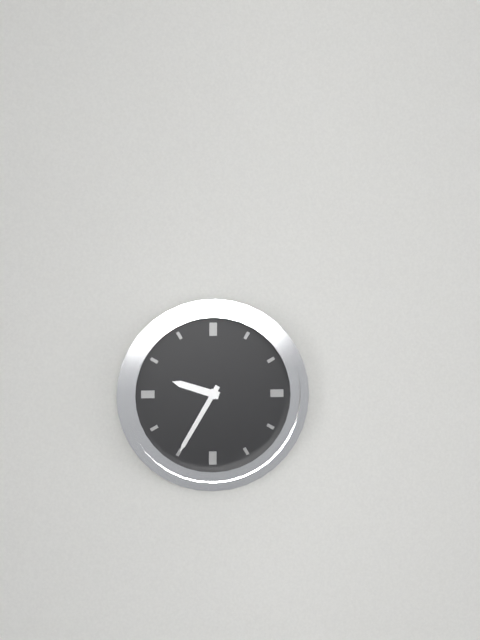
h=9 m=35
